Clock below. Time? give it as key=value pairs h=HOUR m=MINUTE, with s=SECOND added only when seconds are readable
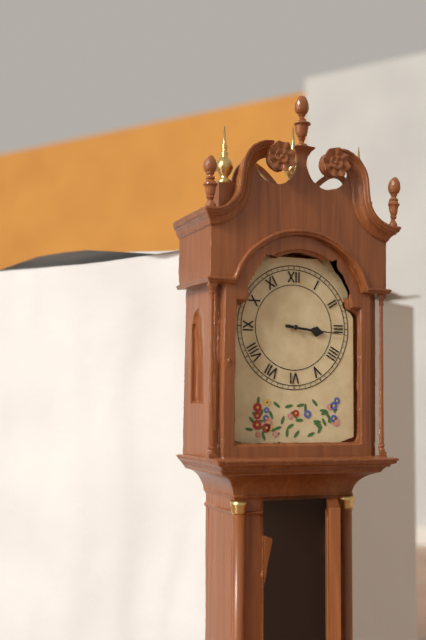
h=3 m=16
